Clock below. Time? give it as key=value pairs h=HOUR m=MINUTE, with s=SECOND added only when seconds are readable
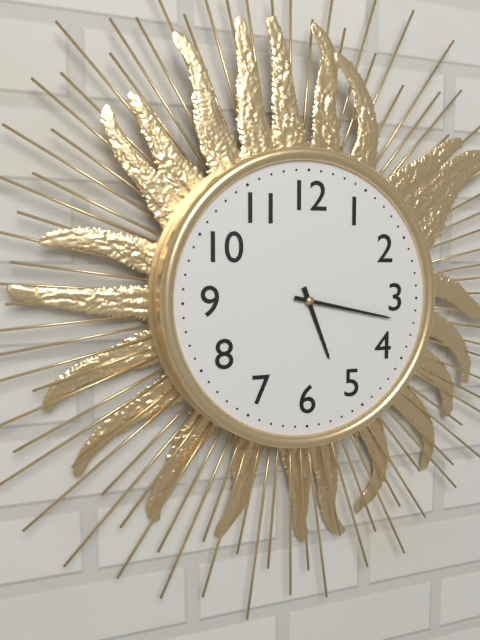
h=5 m=17
